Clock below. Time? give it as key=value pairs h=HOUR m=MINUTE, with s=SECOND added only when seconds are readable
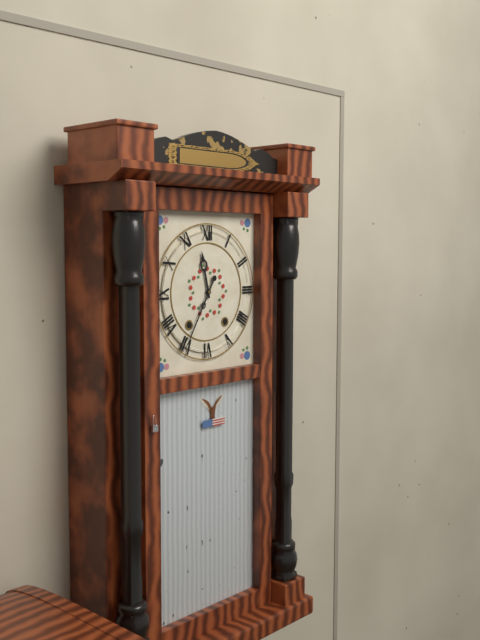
h=11 m=35
